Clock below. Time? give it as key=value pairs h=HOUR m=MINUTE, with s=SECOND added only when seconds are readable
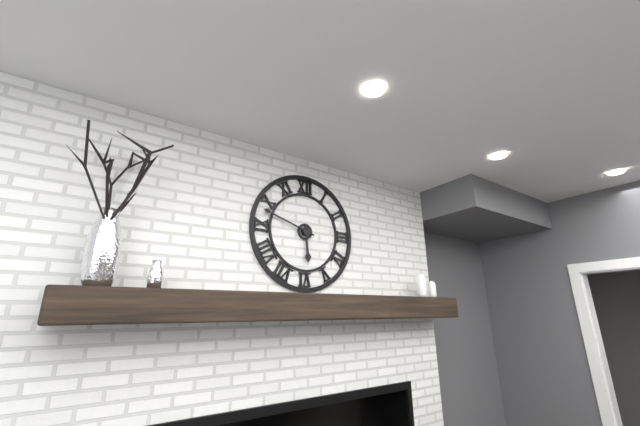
h=5 m=48
